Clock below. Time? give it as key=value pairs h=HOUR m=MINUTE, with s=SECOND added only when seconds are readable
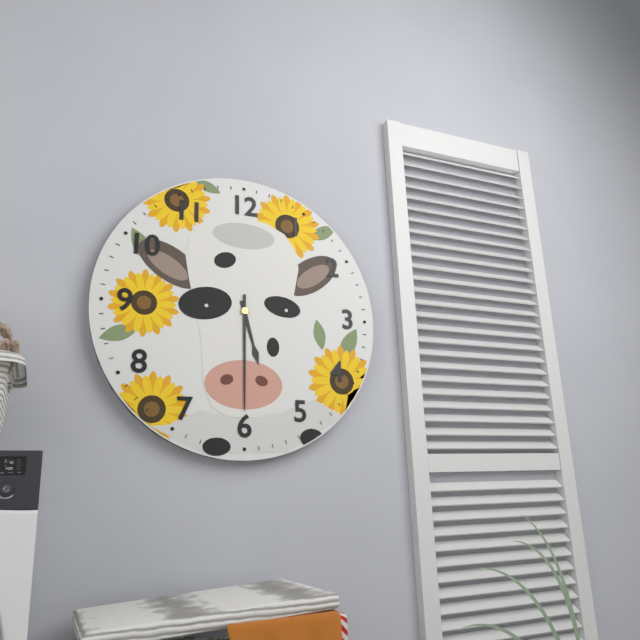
h=5 m=30
